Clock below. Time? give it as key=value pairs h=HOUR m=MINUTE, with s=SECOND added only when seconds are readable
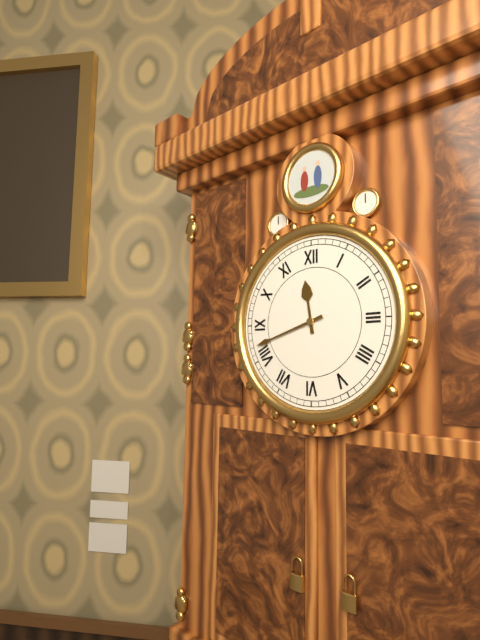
h=11 m=42
